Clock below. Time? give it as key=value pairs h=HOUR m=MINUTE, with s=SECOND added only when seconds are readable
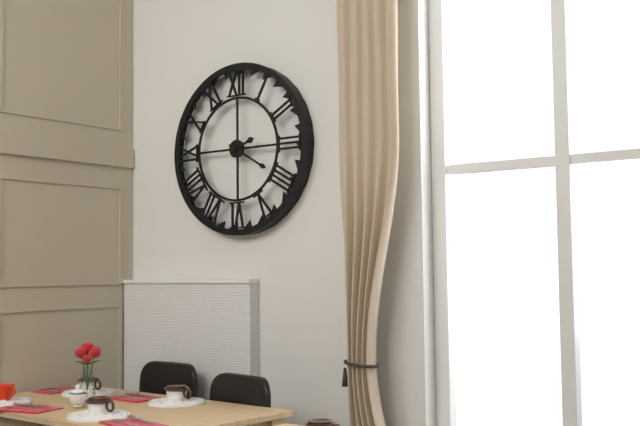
h=2 m=20
